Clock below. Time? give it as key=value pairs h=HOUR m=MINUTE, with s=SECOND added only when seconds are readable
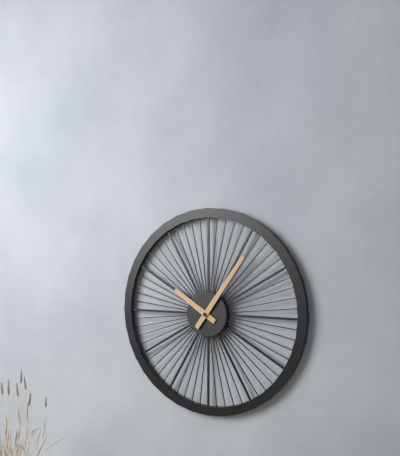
h=10 m=6
